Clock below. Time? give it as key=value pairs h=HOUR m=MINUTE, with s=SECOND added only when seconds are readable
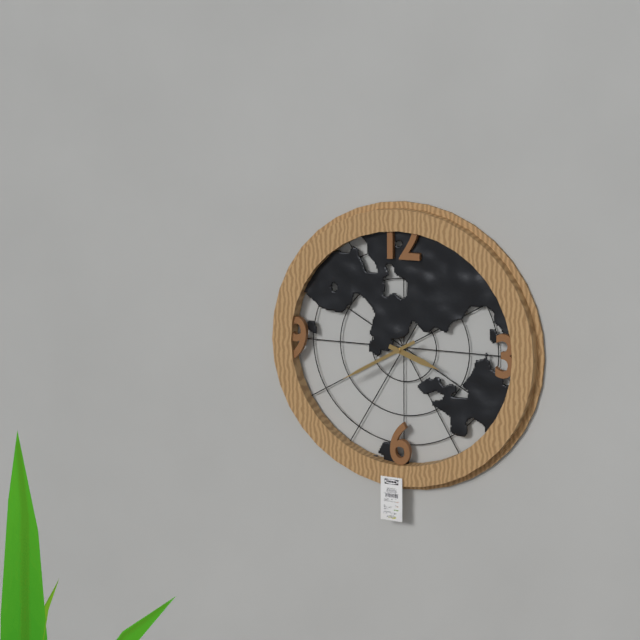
h=3 m=40
